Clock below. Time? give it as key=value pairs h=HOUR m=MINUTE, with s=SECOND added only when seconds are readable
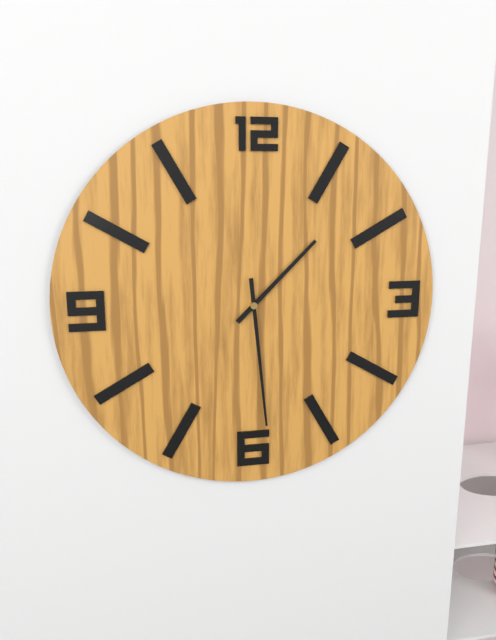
h=1 m=29
